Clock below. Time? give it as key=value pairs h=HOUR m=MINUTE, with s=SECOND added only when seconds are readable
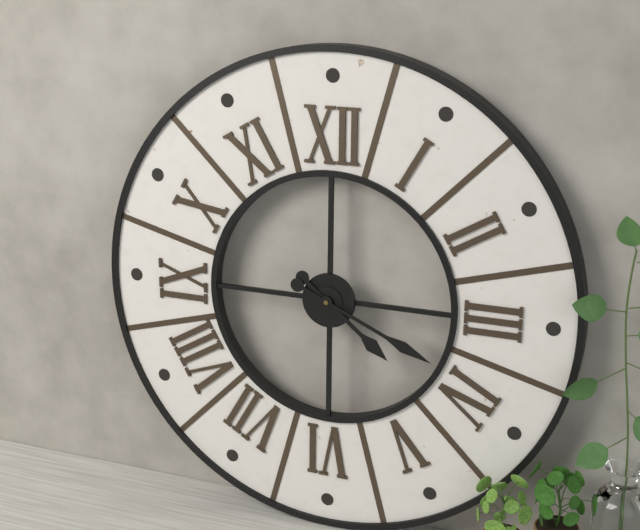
h=4 m=19
